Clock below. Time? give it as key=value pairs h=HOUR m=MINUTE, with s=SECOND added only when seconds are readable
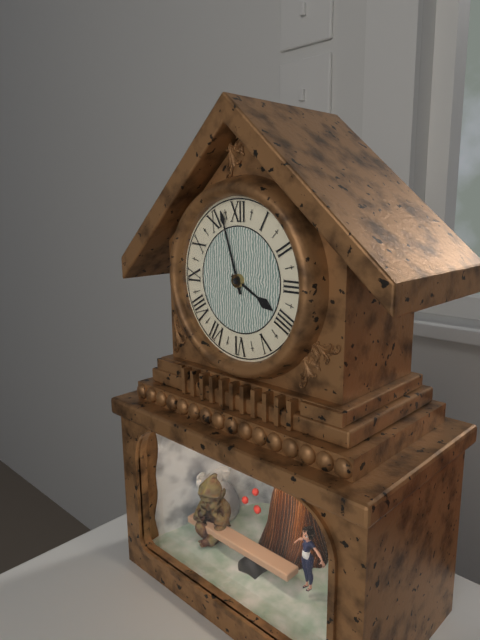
h=3 m=57
